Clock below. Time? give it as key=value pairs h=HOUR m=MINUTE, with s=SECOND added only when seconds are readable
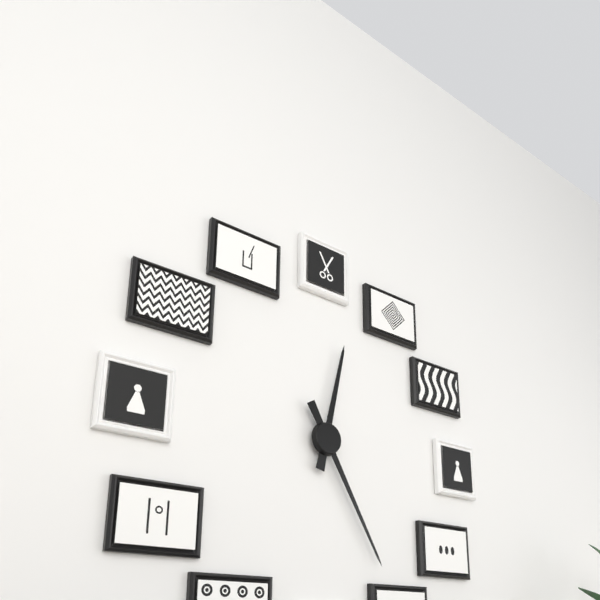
h=12 m=25
